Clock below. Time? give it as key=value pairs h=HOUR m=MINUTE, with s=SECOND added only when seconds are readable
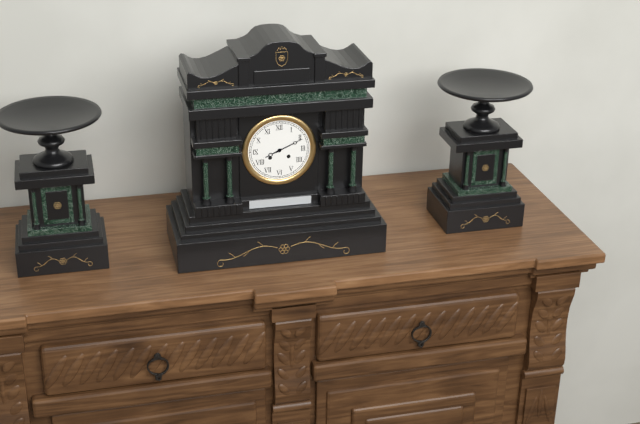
h=8 m=11
